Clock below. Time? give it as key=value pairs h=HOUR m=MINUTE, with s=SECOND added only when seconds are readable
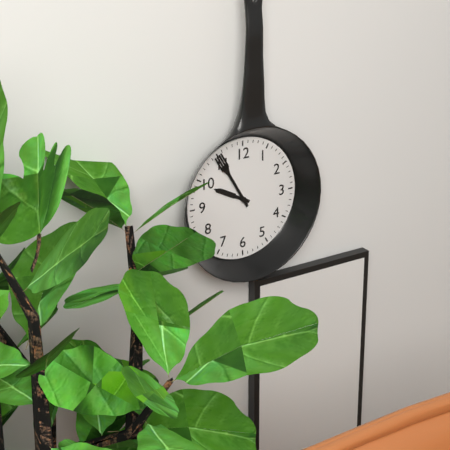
h=9 m=55
